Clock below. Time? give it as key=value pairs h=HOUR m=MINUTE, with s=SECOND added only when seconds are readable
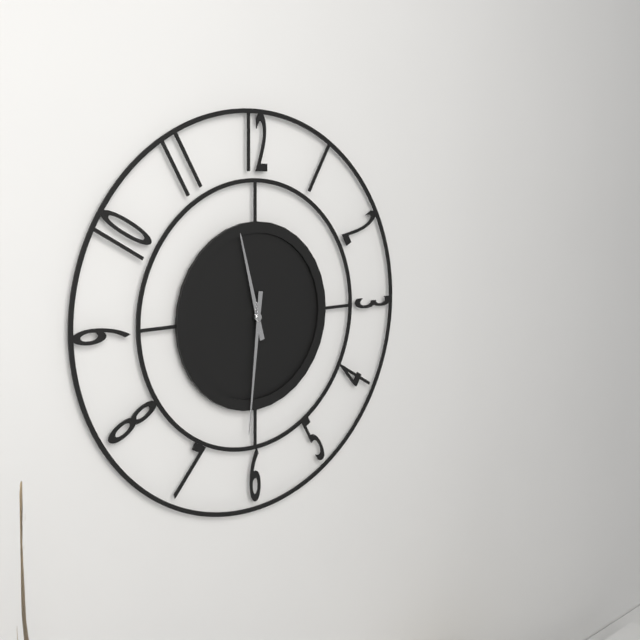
h=11 m=31
